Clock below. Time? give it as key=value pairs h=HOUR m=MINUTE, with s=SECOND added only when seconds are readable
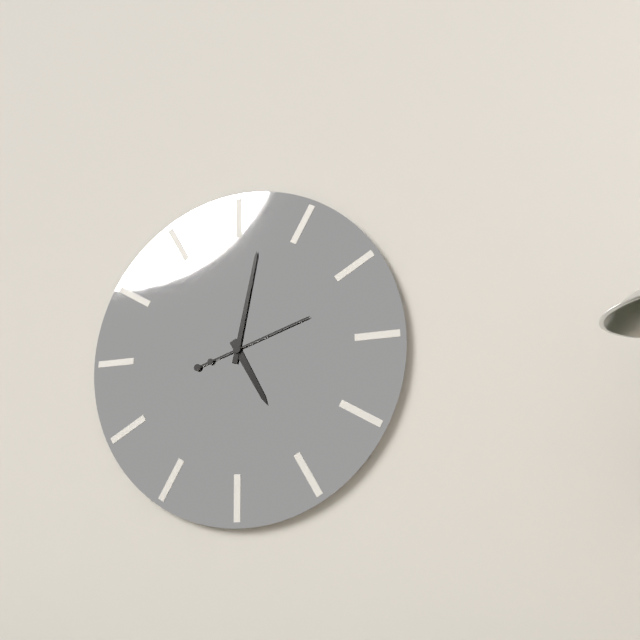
h=5 m=2 s=12
